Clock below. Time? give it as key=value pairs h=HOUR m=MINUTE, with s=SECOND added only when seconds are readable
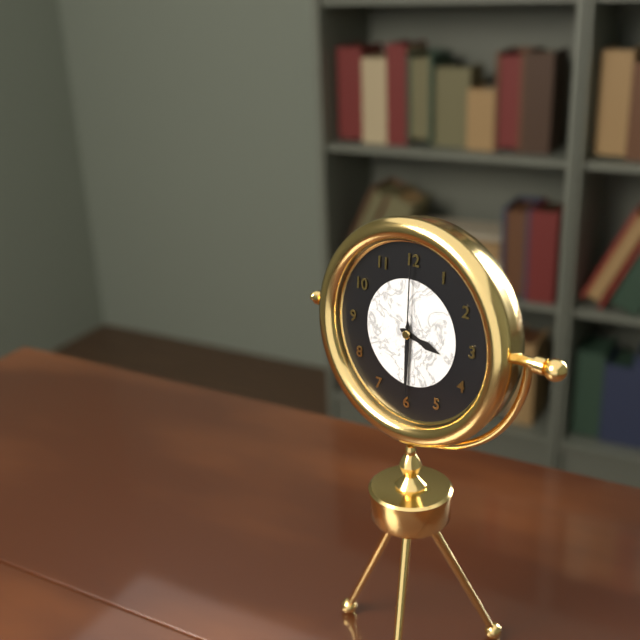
h=3 m=30 s=0
